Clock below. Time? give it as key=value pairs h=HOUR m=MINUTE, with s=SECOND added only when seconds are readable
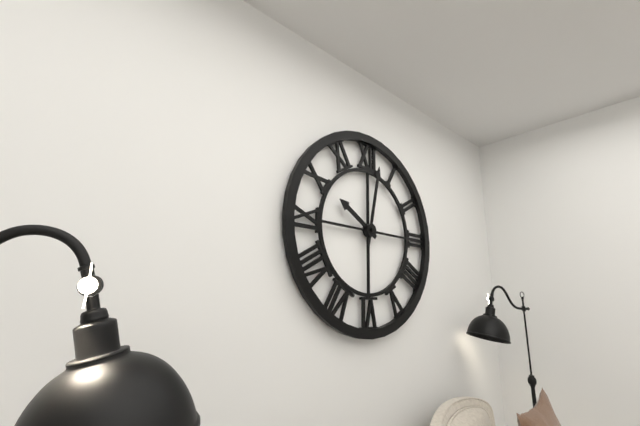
h=10 m=2
